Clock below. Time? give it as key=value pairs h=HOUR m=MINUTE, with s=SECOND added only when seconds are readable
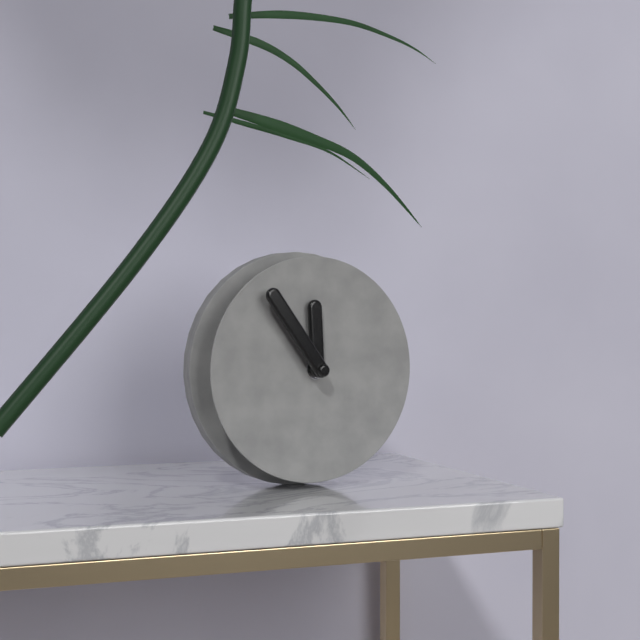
h=11 m=54
